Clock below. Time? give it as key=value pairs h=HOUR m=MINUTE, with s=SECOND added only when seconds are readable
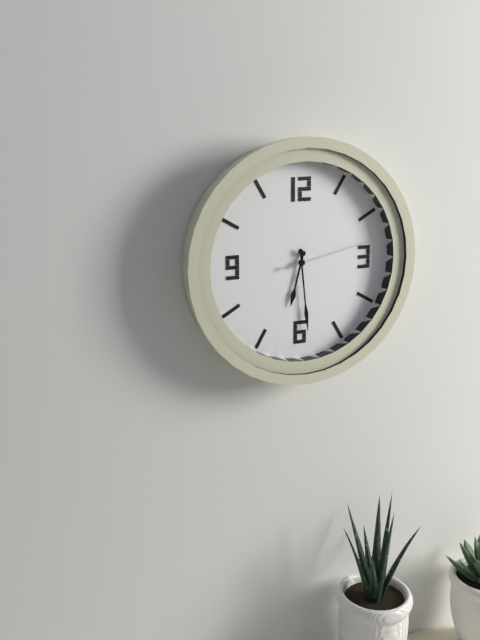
h=6 m=29 s=13
